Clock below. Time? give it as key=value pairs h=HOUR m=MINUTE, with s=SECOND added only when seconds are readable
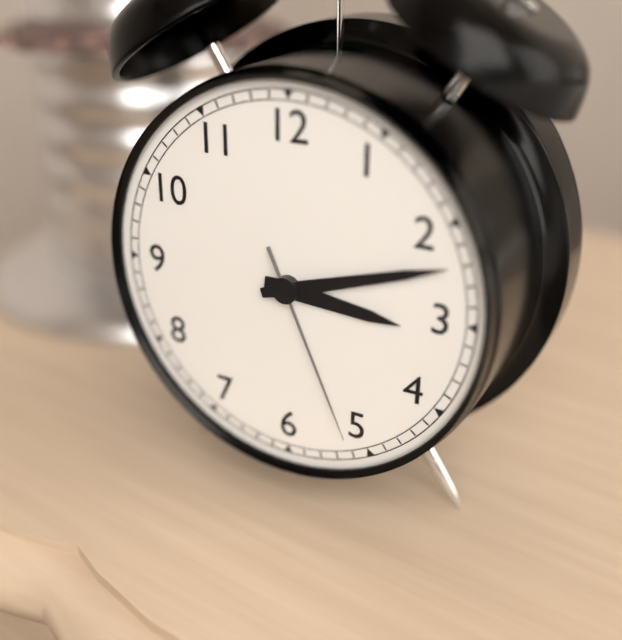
h=3 m=12 s=26
